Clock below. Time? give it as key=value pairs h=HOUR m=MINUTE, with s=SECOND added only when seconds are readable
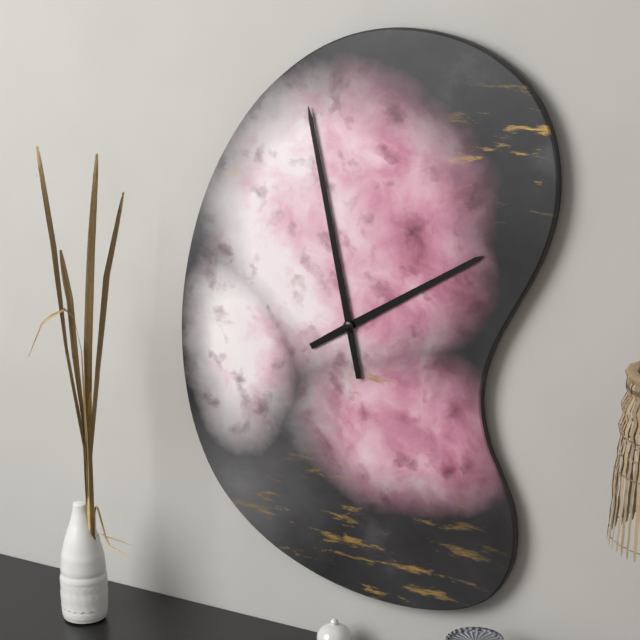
h=1 m=58
